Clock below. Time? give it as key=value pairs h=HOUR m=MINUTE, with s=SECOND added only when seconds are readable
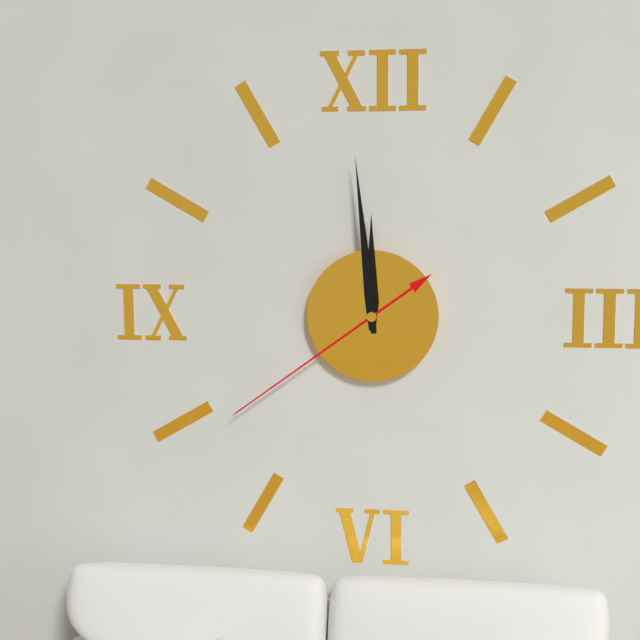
h=11 m=59 s=39
